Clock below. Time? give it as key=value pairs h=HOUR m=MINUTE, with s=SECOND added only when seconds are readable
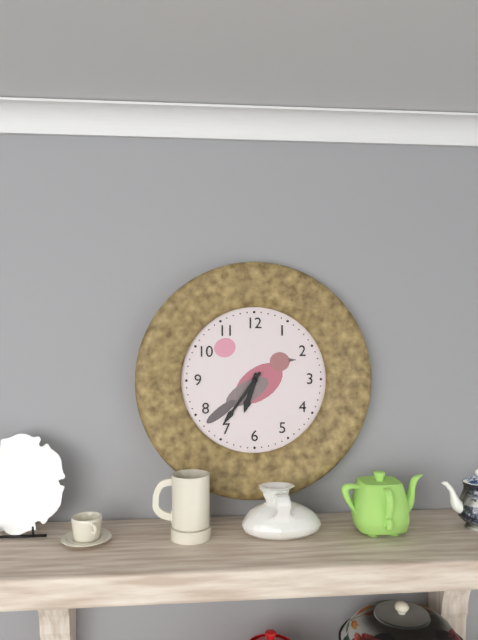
h=6 m=36
